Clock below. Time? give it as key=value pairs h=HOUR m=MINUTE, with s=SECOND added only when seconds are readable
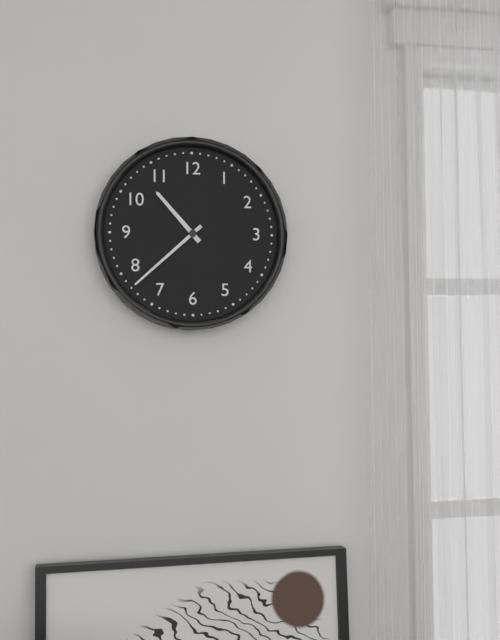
h=10 m=38
